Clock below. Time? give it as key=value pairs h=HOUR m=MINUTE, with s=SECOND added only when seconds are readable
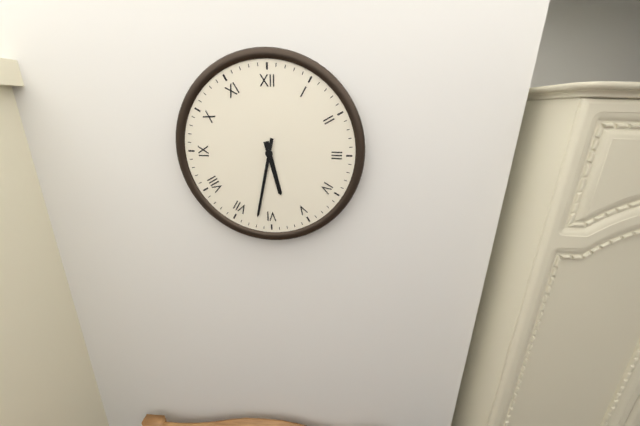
h=5 m=32
